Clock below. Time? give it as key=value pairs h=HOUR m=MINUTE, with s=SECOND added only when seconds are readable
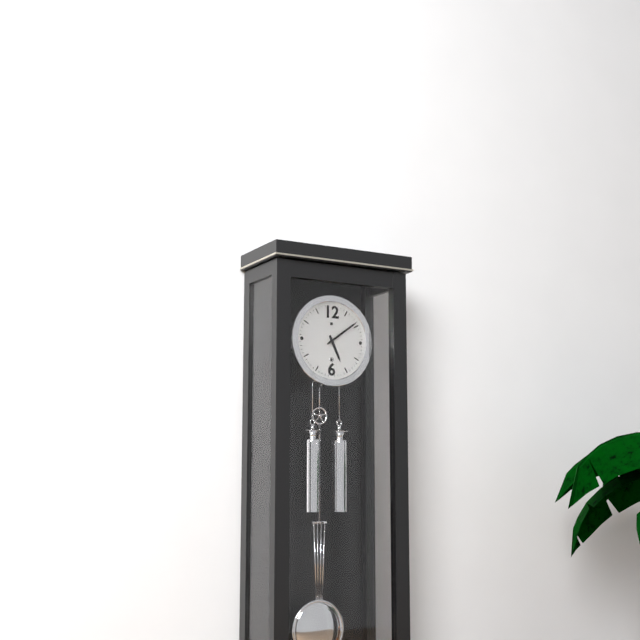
h=5 m=9
